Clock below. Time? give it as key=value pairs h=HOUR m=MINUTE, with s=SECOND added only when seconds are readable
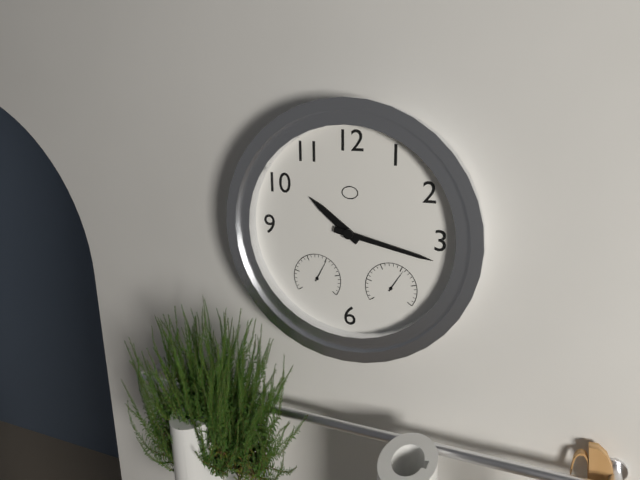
h=10 m=17
